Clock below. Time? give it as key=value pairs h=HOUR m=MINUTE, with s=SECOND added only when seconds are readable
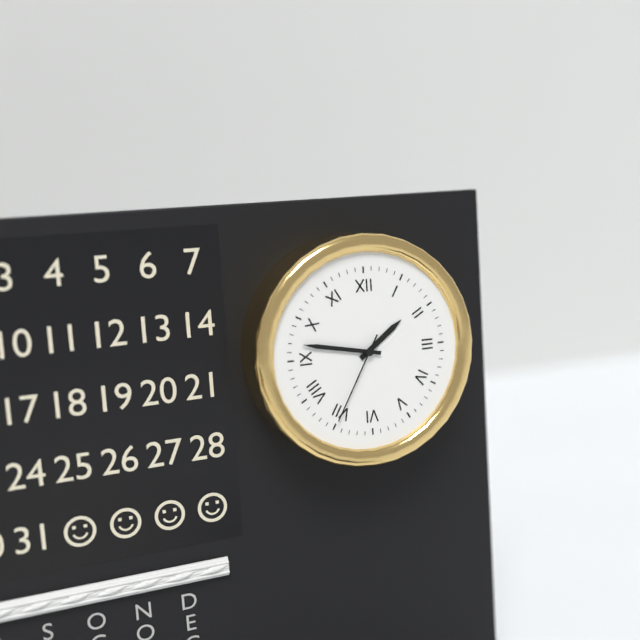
h=1 m=47 s=35
